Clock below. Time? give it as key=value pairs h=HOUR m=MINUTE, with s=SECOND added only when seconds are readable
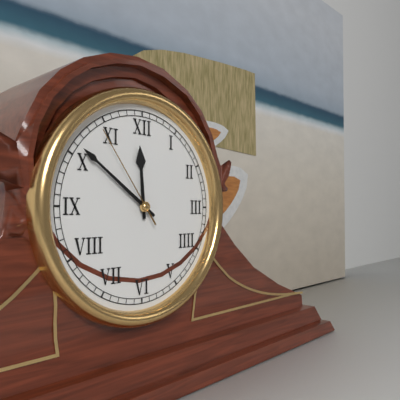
h=11 m=51 s=54
